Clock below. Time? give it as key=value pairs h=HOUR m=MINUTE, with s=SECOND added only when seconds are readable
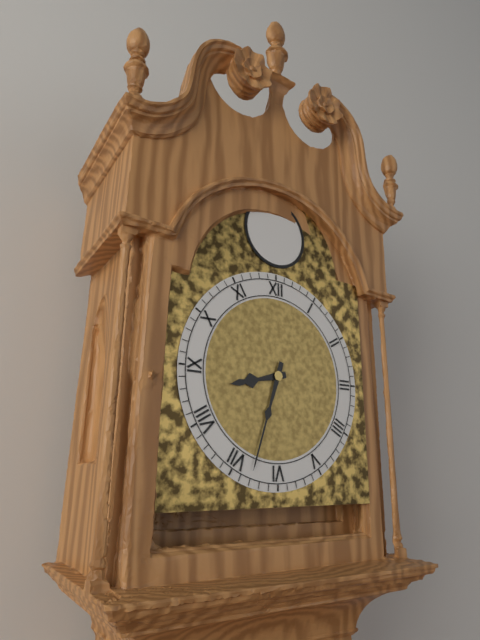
h=8 m=33
